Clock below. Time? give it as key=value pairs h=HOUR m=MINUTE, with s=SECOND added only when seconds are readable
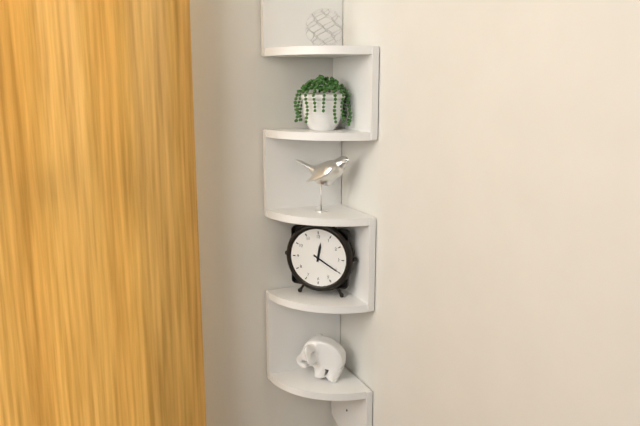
h=12 m=20
